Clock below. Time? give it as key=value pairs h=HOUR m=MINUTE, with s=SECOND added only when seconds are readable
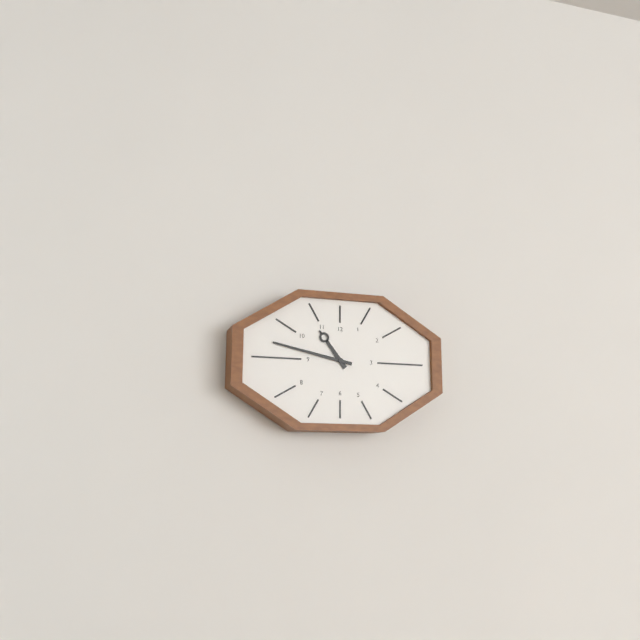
h=10 m=47
